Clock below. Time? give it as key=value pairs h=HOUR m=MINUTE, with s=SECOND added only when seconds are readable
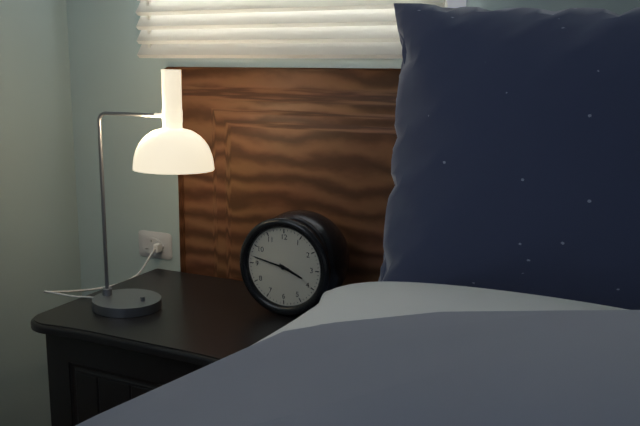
h=3 m=47
